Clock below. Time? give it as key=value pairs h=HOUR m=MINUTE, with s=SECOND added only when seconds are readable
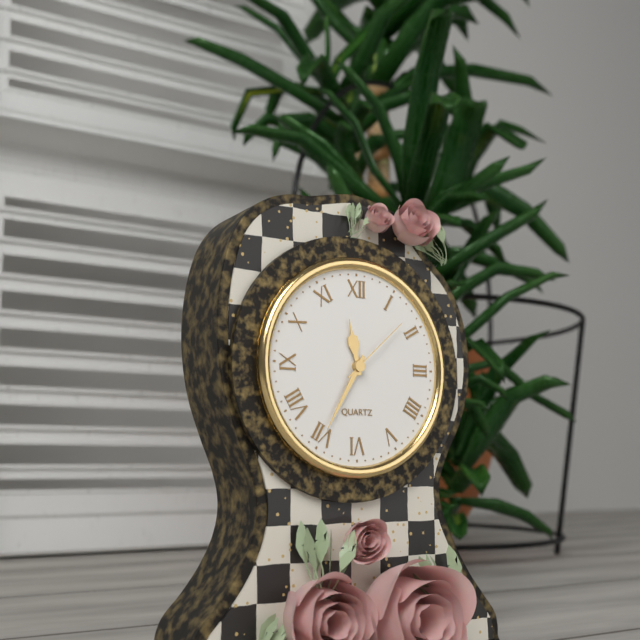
h=11 m=35 s=8
